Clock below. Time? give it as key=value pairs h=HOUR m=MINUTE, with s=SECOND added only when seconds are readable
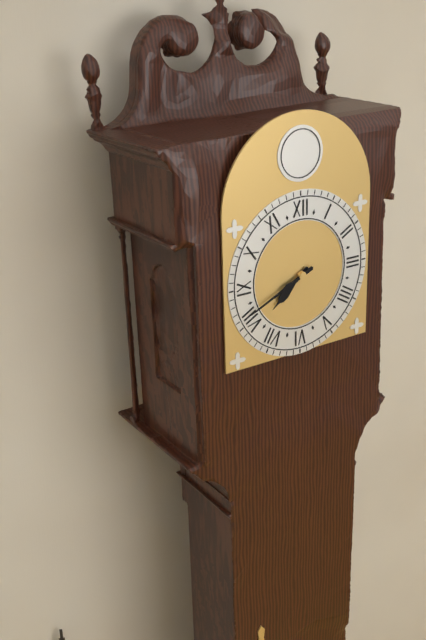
h=7 m=41
